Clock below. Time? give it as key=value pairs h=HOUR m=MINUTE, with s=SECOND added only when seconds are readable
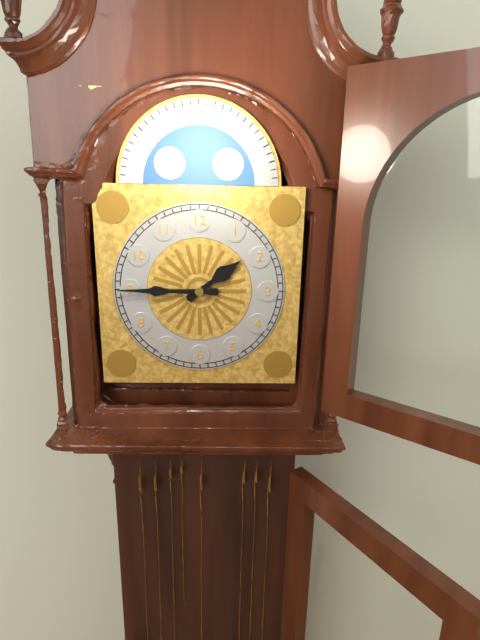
h=1 m=45
